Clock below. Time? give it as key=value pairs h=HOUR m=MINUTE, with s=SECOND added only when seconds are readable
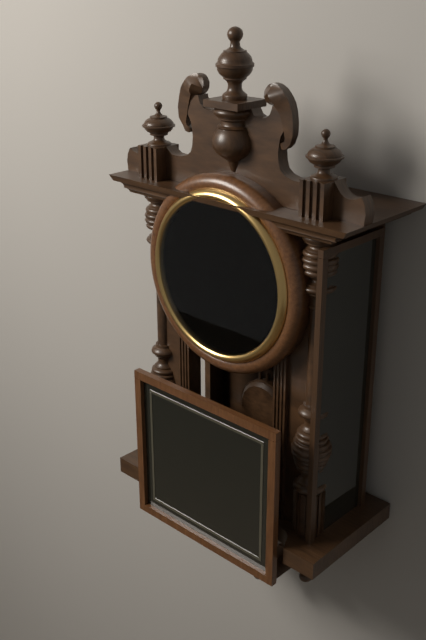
h=1 m=33
